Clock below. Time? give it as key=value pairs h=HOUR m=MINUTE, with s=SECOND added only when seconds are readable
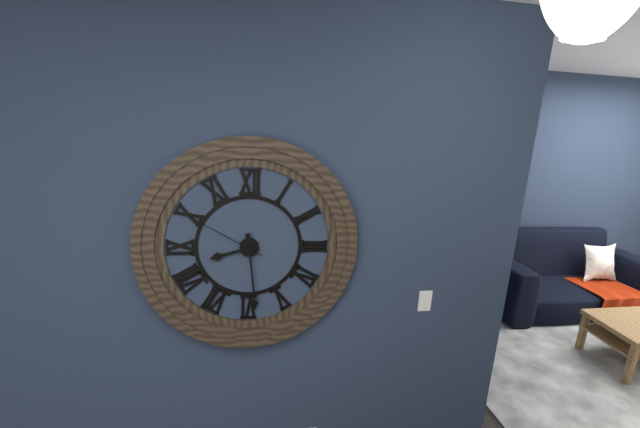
h=8 m=29 s=50
